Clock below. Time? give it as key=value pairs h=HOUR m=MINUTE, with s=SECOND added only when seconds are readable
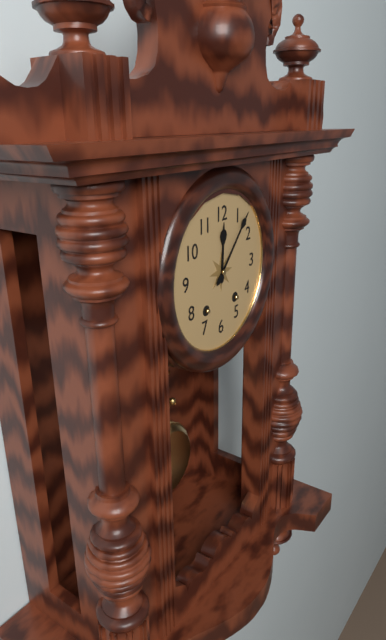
h=12 m=7
